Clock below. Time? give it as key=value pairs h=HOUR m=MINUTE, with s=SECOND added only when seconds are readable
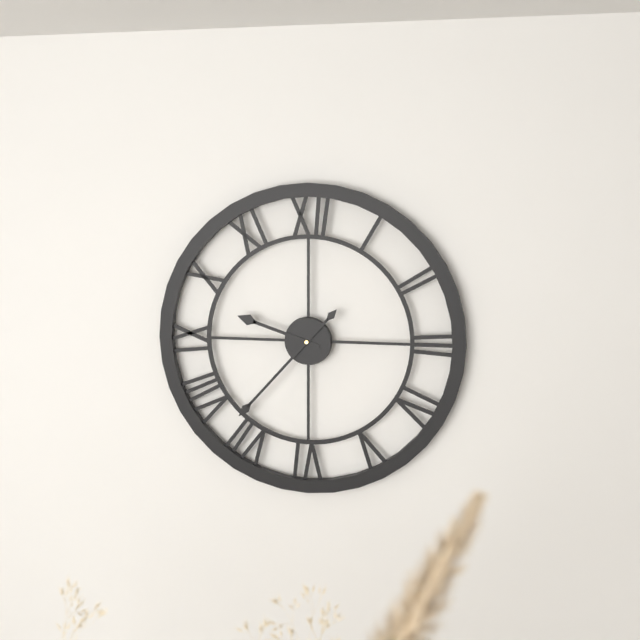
h=9 m=37
